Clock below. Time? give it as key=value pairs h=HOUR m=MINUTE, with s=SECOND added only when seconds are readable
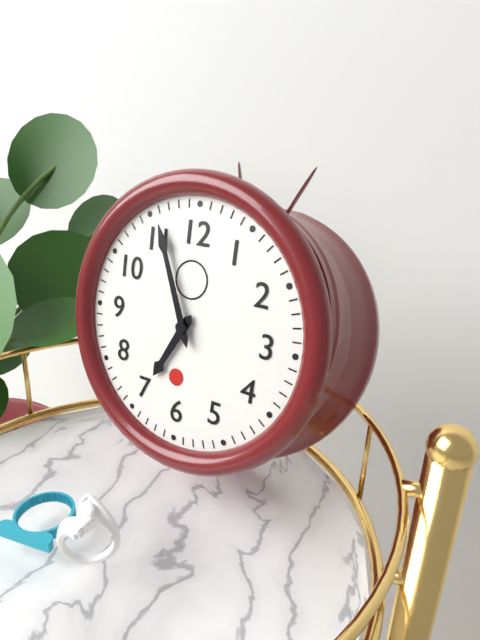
h=6 m=56
